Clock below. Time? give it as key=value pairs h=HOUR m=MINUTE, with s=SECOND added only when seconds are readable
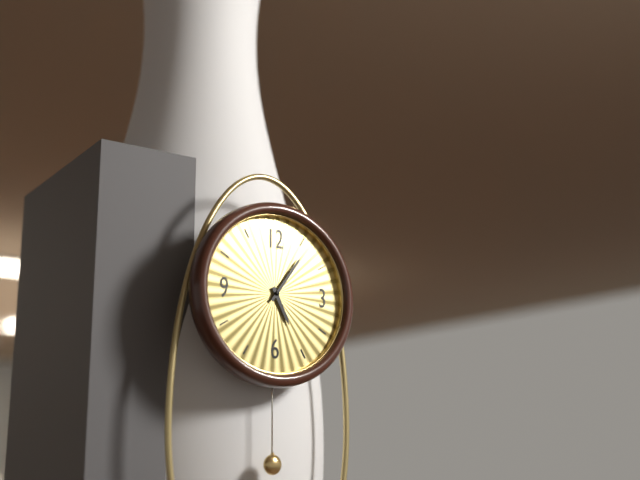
h=5 m=6
